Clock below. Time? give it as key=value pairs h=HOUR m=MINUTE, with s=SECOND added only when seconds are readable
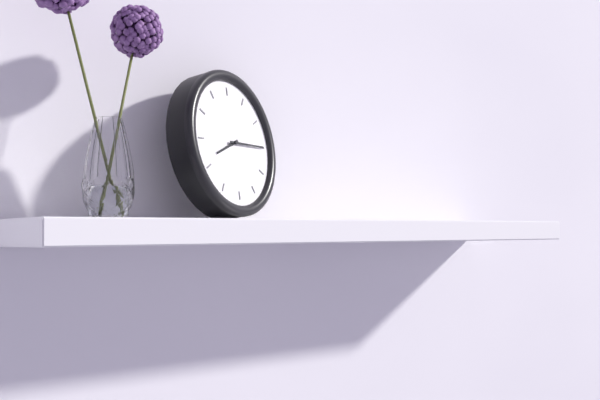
h=8 m=15
